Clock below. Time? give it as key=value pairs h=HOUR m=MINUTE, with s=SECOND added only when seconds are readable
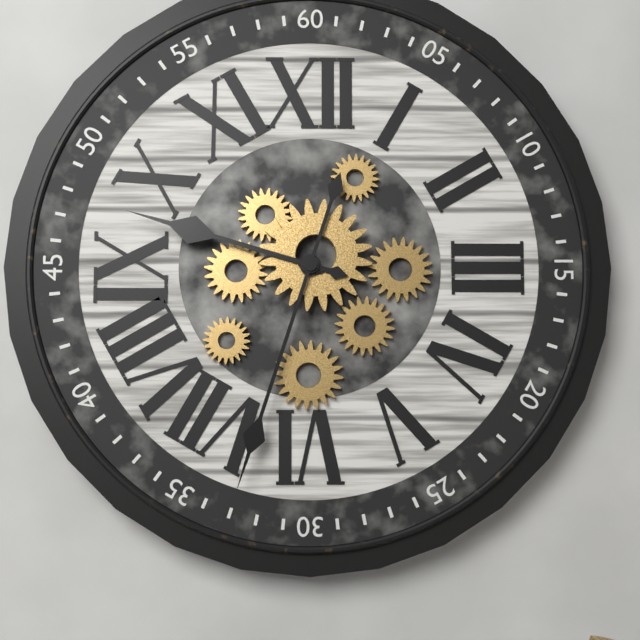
h=9 m=33
